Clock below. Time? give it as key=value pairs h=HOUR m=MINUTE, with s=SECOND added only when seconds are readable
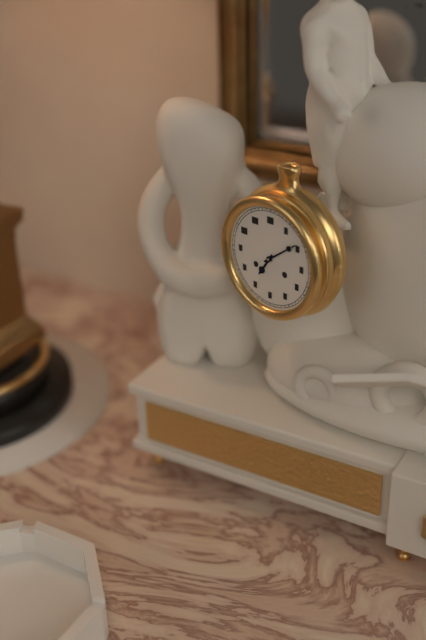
h=7 m=9
